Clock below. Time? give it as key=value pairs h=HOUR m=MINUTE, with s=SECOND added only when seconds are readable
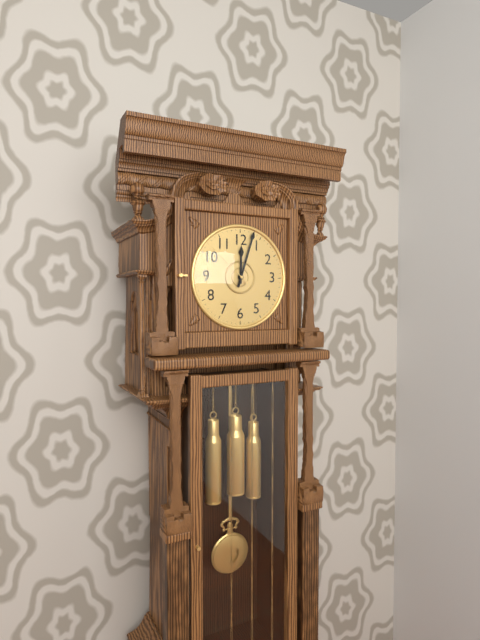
h=12 m=3 s=52
